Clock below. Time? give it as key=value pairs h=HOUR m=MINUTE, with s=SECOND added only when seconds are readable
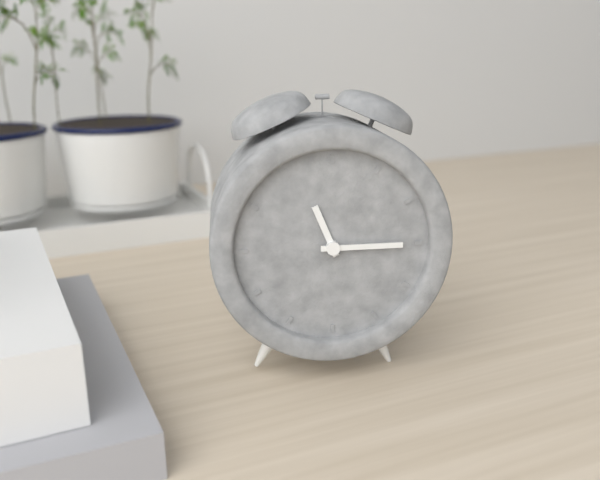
h=11 m=15
